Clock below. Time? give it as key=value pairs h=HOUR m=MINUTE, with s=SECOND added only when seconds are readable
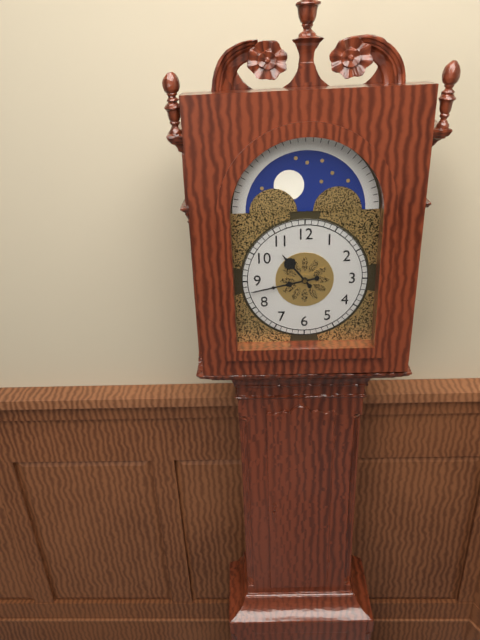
h=10 m=43
